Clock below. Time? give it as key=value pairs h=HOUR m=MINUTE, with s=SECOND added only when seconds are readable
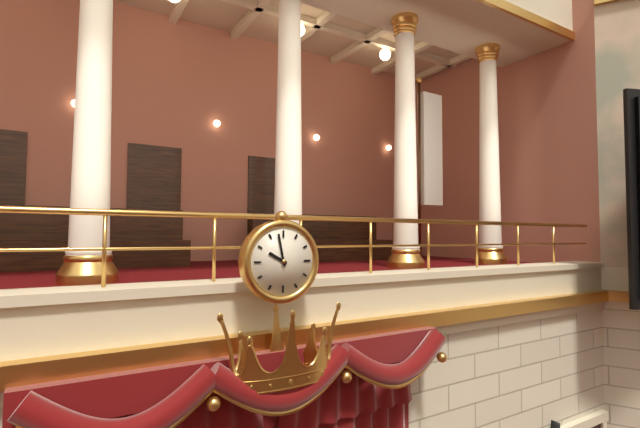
h=9 m=58
